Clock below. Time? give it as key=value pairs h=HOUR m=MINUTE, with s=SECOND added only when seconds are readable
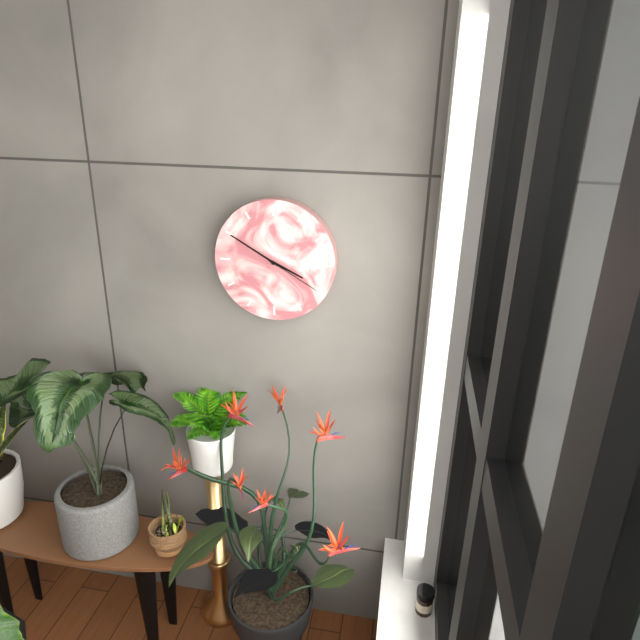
h=3 m=50 s=20
